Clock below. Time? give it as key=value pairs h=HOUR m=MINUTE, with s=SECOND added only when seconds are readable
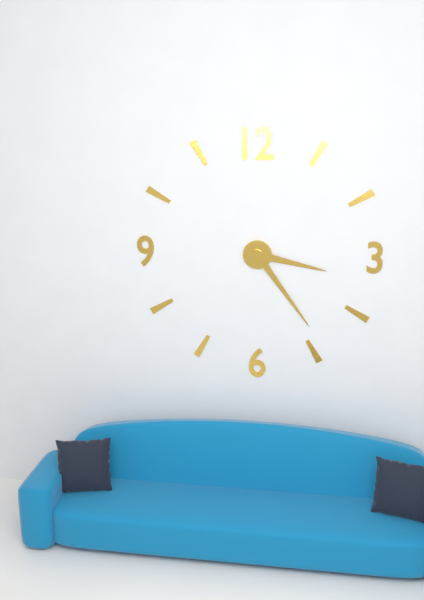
h=3 m=24
